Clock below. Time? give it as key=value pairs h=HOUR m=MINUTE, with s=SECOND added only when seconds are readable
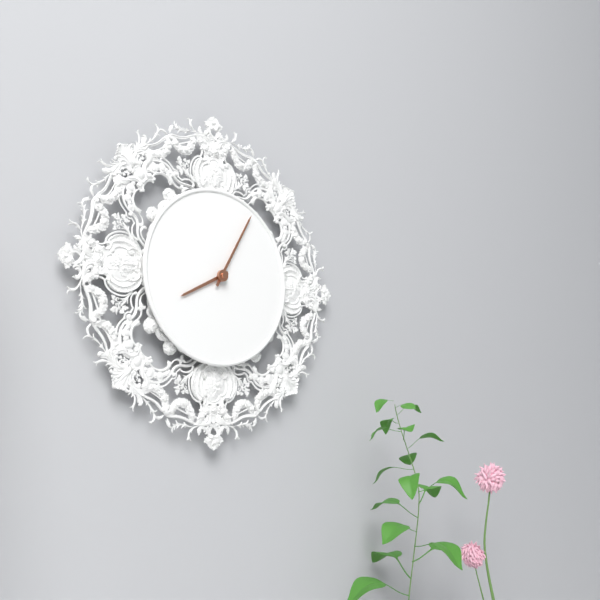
h=8 m=5
